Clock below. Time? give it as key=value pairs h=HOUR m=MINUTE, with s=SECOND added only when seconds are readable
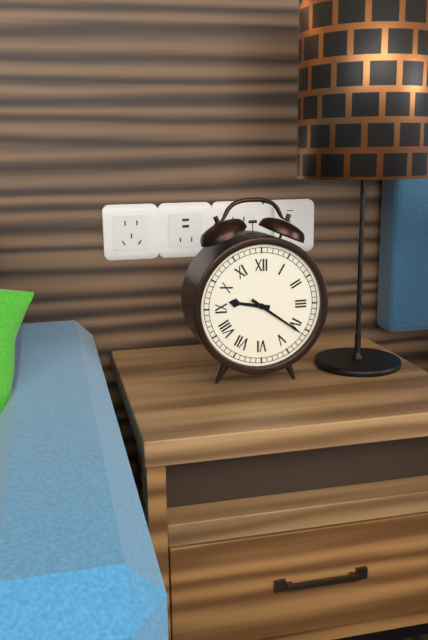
h=9 m=21
